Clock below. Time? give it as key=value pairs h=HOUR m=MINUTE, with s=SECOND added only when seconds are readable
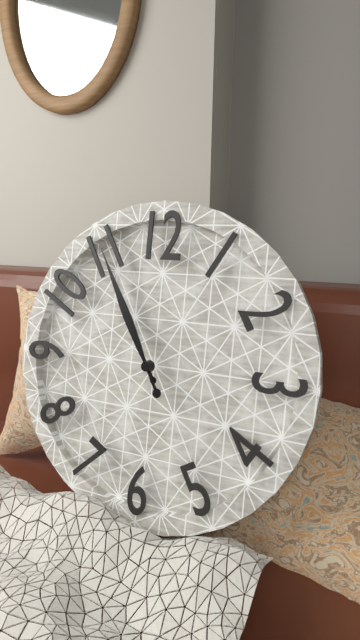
h=10 m=55
